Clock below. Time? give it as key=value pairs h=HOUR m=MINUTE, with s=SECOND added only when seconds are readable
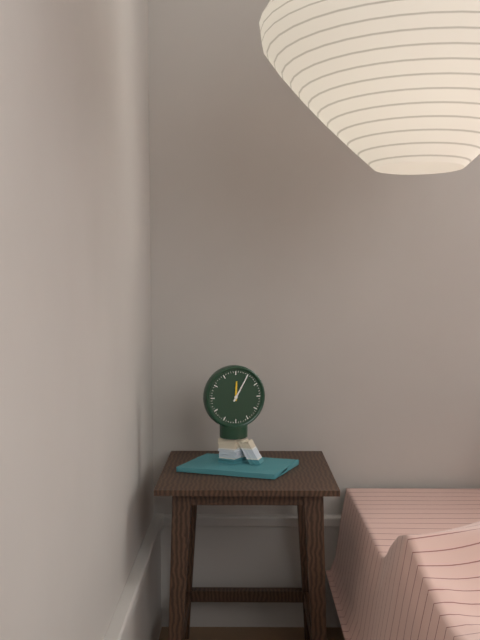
h=12 m=5
